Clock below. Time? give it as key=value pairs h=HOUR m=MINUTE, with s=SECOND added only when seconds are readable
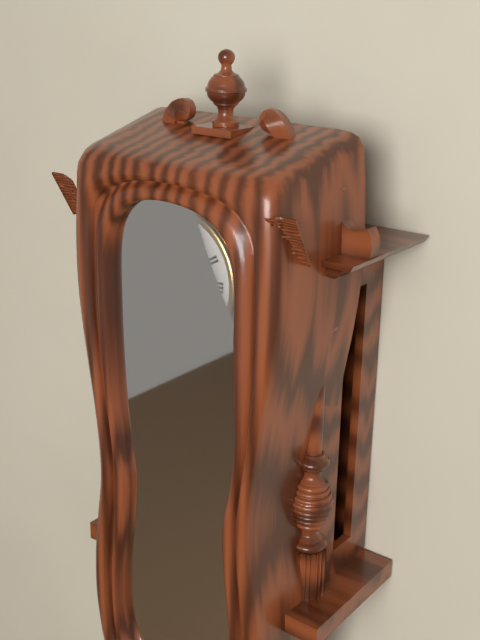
h=2 m=59
